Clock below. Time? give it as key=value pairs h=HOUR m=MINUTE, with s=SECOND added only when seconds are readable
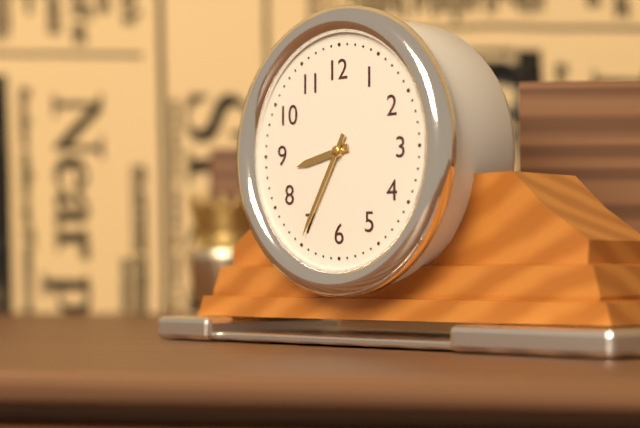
h=8 m=35
